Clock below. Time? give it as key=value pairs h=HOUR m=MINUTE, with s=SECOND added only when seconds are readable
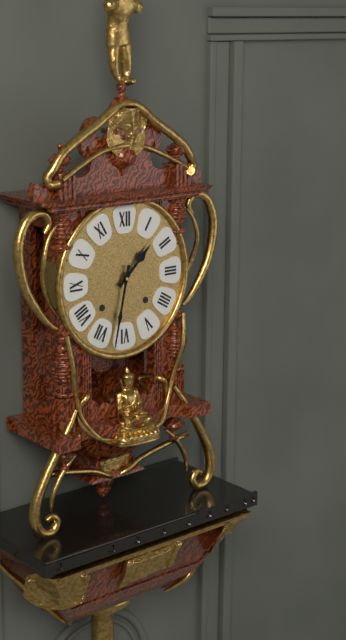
h=1 m=32
